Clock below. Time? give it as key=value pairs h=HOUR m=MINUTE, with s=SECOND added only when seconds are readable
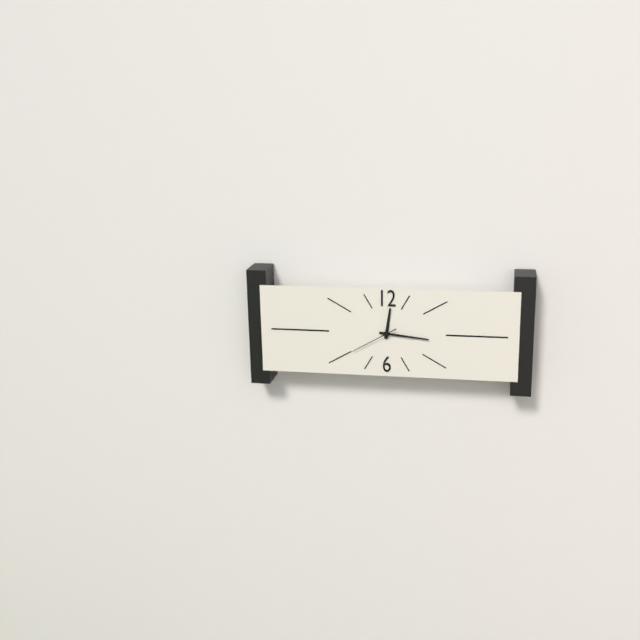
h=12 m=16
